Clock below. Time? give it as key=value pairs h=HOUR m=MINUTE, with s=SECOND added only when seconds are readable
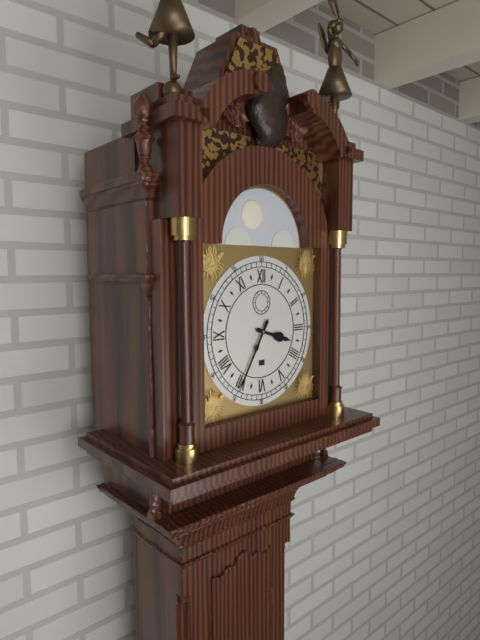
h=3 m=35
